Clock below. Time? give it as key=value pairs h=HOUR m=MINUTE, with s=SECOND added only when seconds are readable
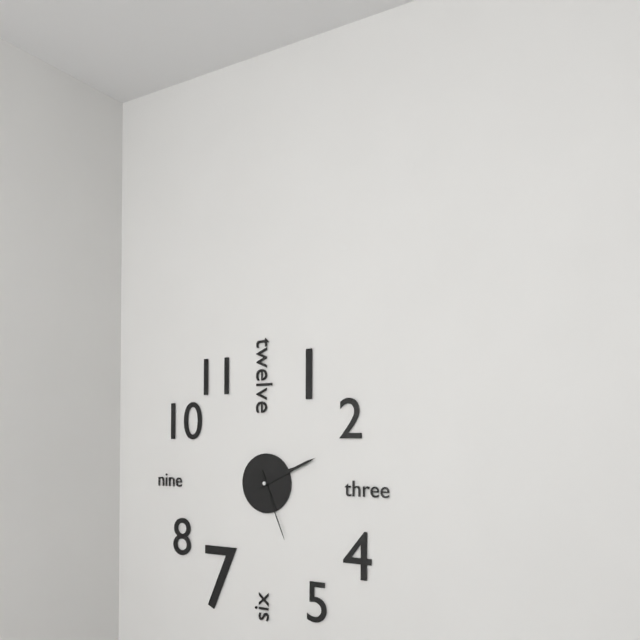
h=2 m=11 s=26
